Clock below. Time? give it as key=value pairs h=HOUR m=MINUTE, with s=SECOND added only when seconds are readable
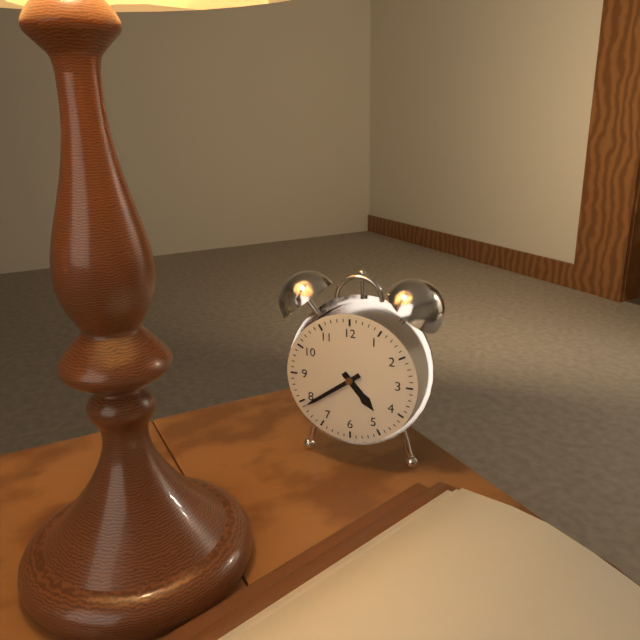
h=4 m=39
